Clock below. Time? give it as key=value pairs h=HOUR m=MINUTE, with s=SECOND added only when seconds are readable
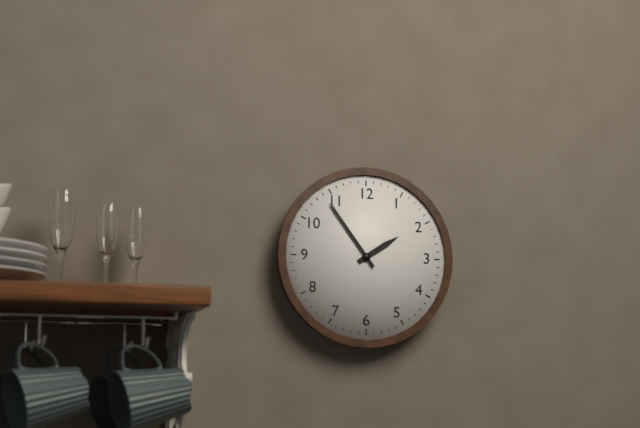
h=1 m=54
